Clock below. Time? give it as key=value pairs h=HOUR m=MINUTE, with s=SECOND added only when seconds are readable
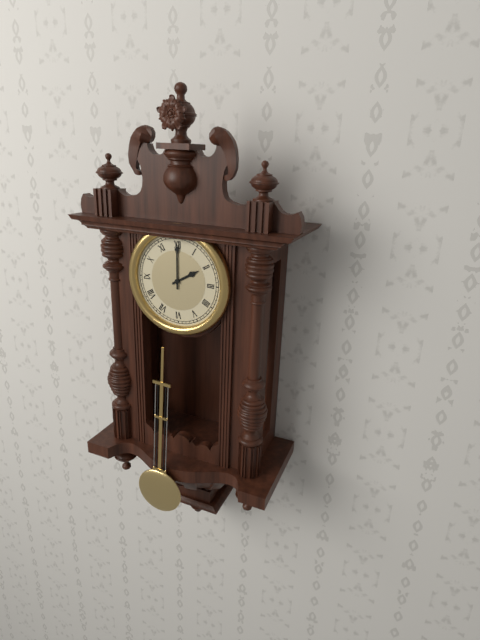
h=2 m=0
